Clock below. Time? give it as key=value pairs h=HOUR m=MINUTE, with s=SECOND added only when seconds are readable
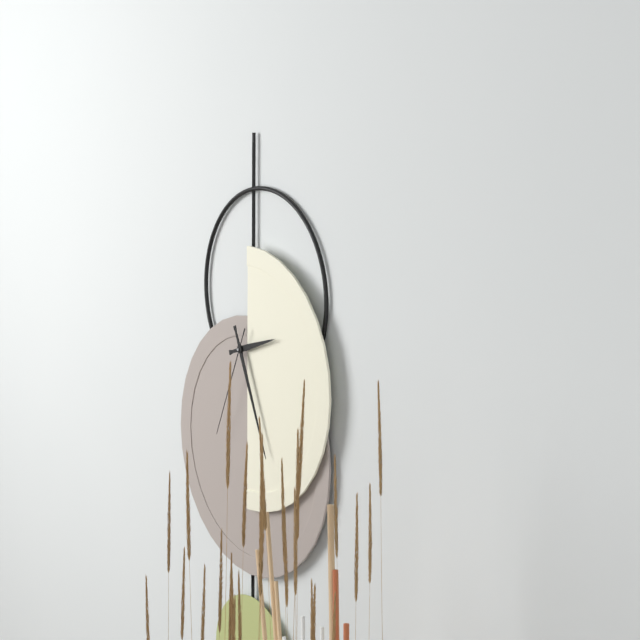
h=2 m=26 s=34
